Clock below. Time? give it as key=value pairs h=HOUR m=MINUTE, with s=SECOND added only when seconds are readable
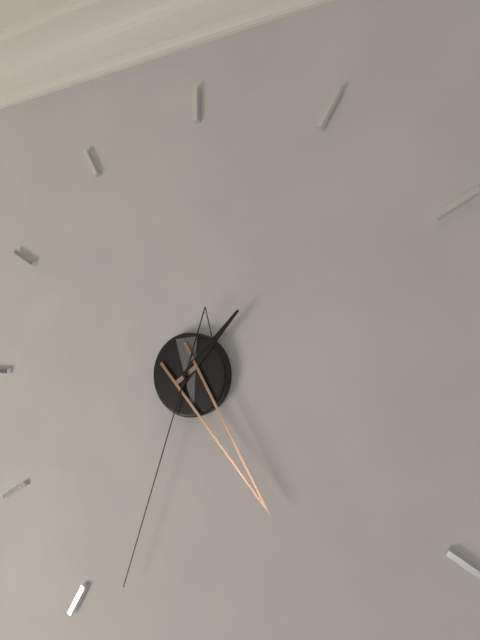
h=1 m=24 s=33
